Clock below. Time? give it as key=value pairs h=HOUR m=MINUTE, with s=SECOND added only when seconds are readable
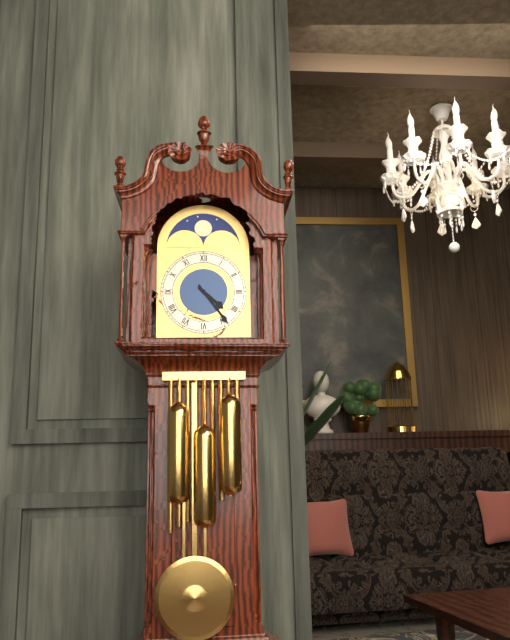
h=4 m=24
